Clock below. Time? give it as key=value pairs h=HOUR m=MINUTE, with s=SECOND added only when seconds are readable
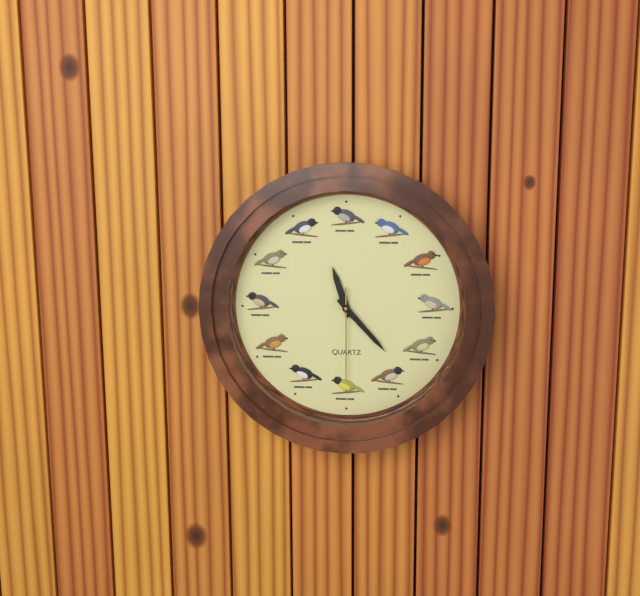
h=11 m=23 s=30
